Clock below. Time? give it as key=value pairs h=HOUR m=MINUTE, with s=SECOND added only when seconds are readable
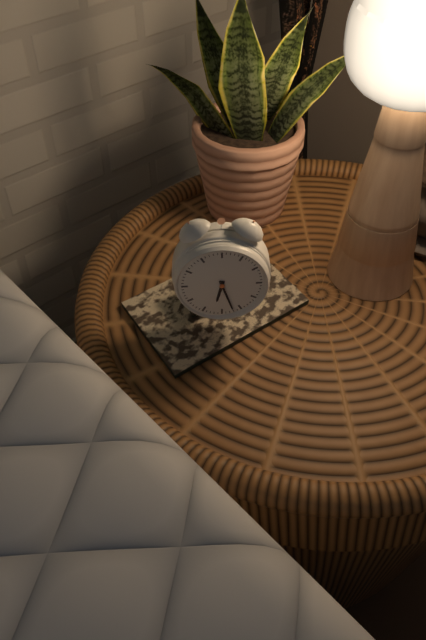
h=6 m=27
